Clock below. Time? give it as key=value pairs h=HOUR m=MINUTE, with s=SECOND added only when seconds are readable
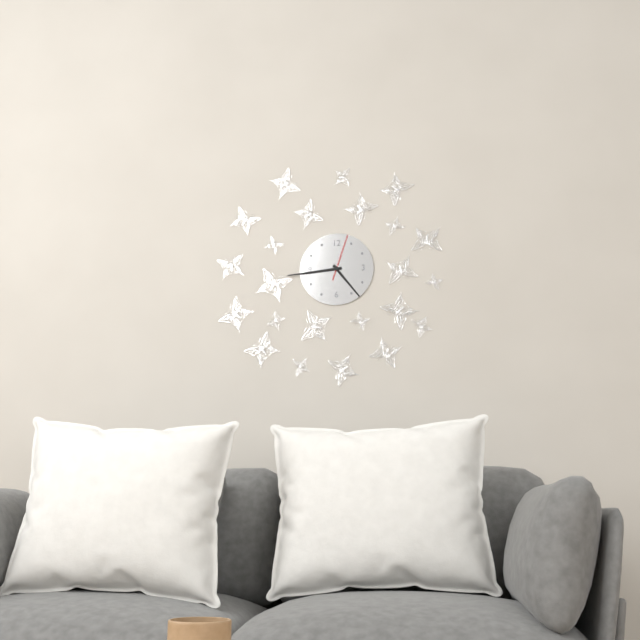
h=4 m=44
